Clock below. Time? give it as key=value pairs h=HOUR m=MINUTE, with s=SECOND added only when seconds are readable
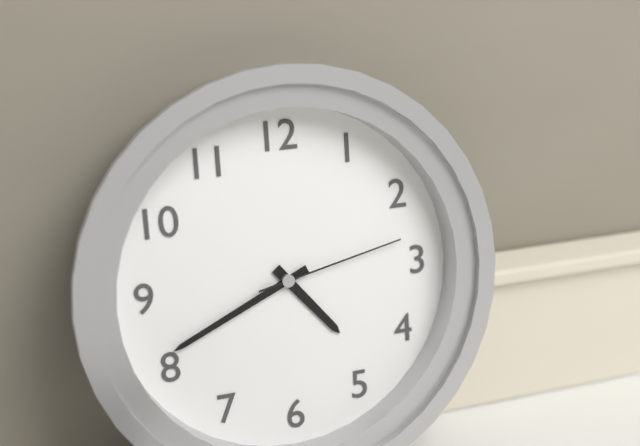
h=4 m=41 s=13
